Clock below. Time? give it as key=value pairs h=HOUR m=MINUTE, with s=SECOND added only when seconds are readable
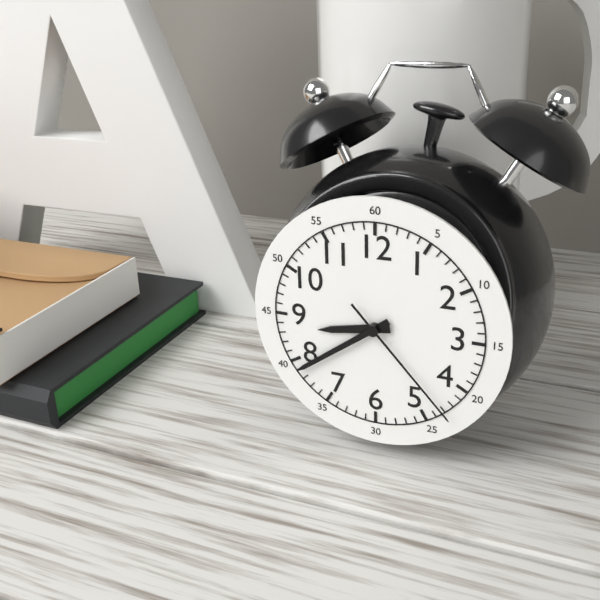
h=8 m=39 s=23
